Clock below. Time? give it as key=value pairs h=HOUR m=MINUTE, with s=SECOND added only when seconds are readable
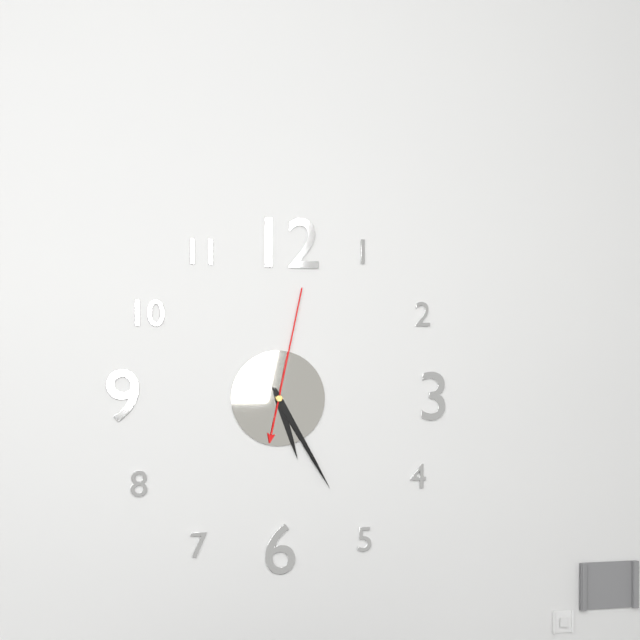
h=5 m=25 s=2
